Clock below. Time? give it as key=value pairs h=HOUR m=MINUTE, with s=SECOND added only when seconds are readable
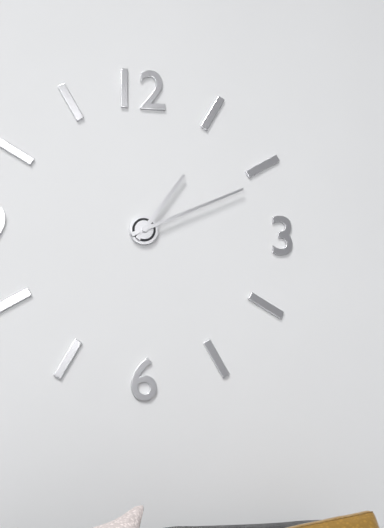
h=1 m=11
